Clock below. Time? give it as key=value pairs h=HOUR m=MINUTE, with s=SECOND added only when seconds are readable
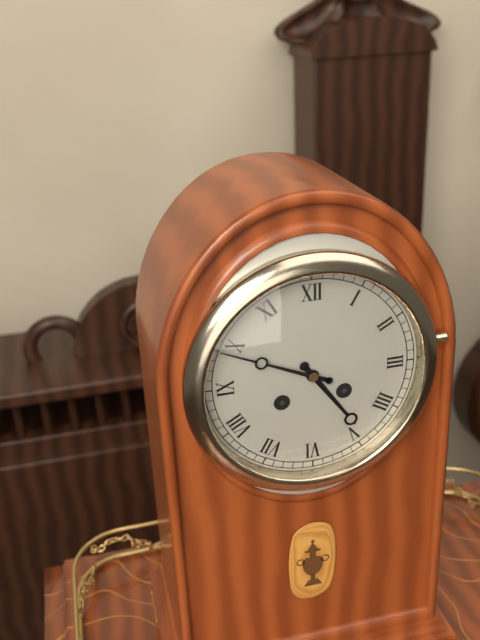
h=4 m=49
